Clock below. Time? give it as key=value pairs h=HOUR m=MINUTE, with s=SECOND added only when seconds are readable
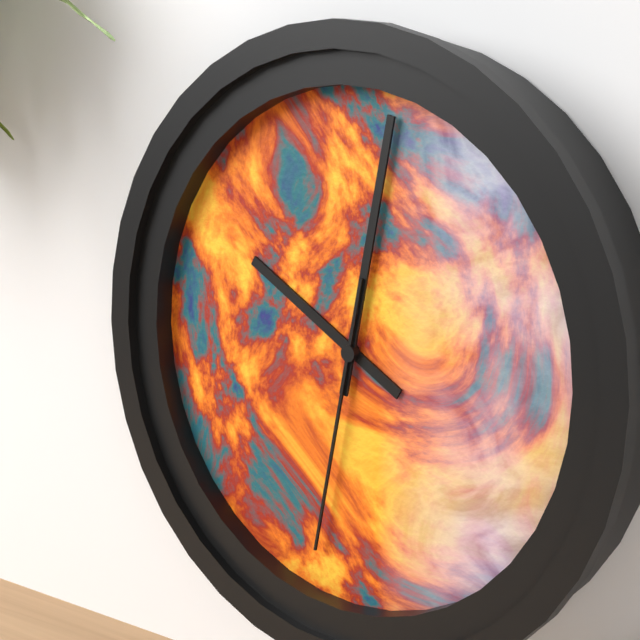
h=10 m=2 s=32
